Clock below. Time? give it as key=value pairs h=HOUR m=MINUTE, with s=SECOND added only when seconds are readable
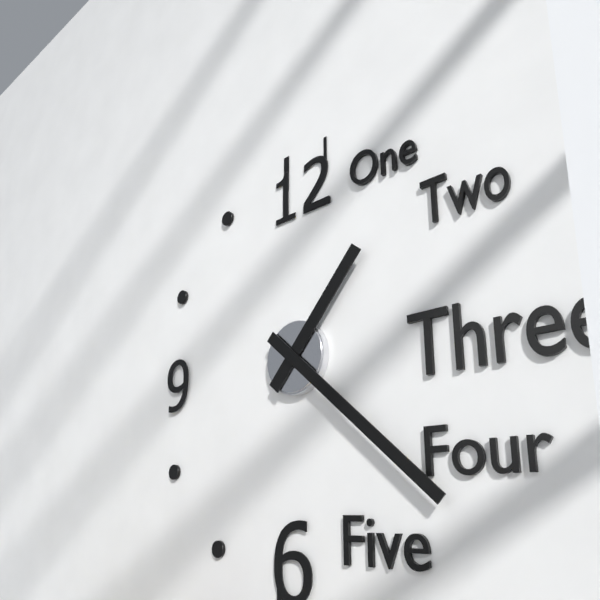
h=1 m=22
